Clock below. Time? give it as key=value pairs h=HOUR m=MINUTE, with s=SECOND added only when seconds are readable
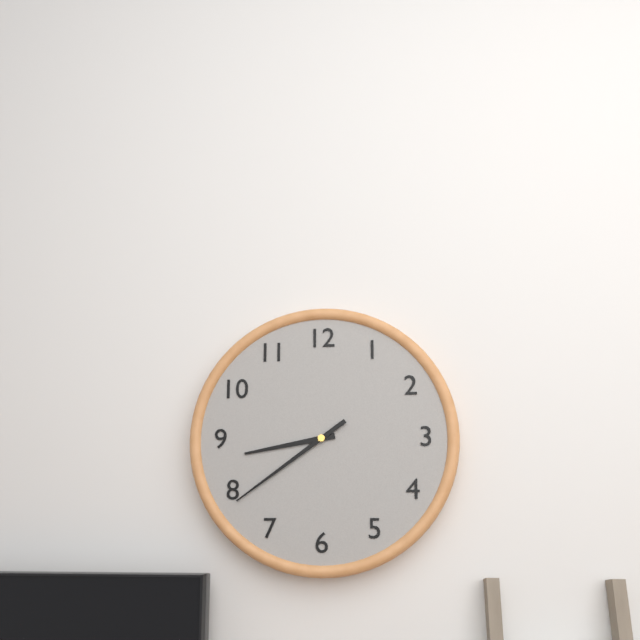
h=8 m=39
